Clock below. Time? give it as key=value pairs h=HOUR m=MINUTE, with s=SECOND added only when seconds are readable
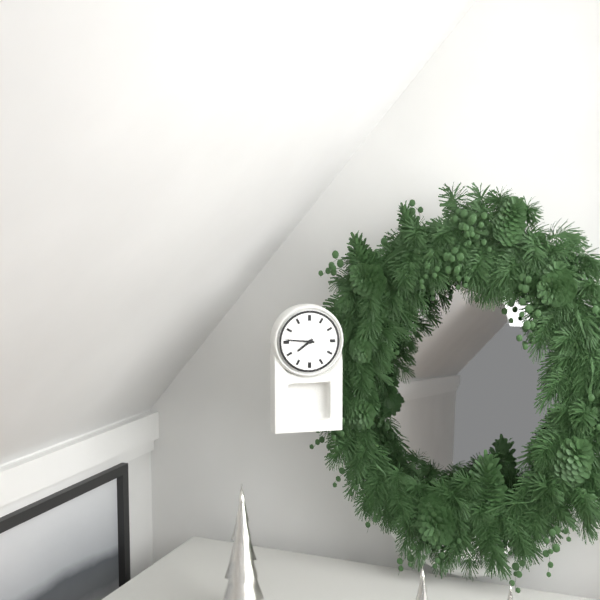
h=7 m=46
